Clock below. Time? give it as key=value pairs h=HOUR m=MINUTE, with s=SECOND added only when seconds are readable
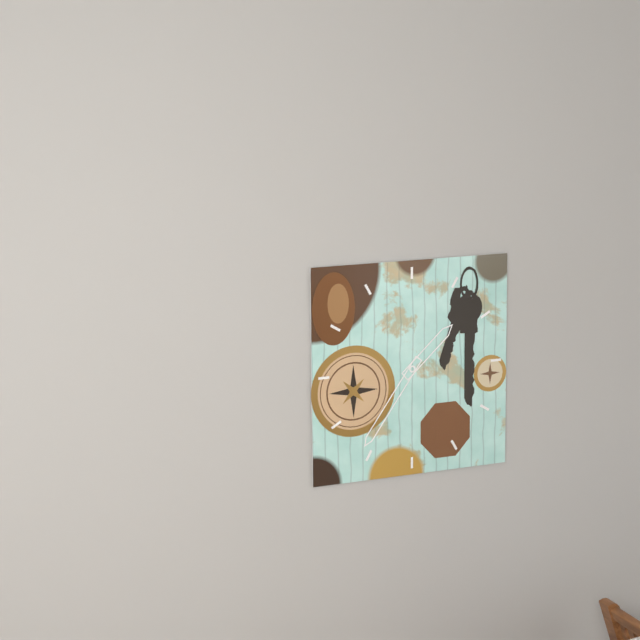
h=1 m=36
